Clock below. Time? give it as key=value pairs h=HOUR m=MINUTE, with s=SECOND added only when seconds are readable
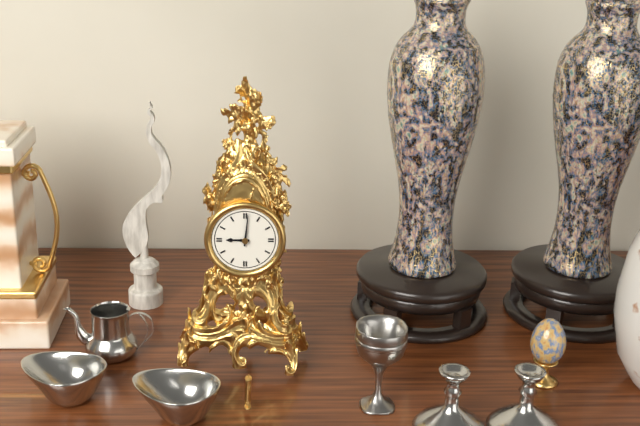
h=9 m=1
